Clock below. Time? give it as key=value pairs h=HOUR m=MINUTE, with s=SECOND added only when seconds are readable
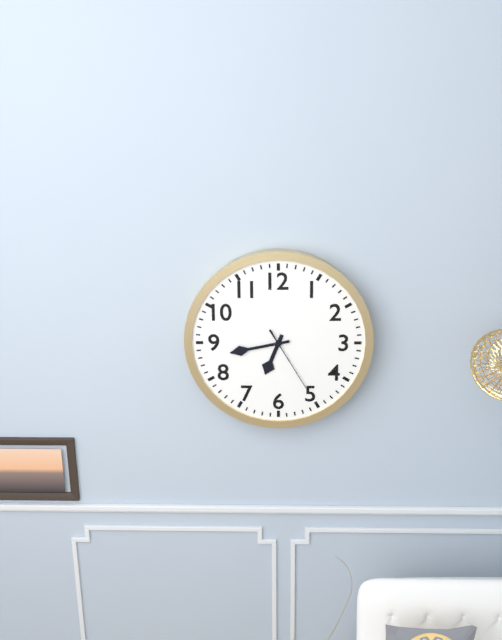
h=6 m=43 s=25
